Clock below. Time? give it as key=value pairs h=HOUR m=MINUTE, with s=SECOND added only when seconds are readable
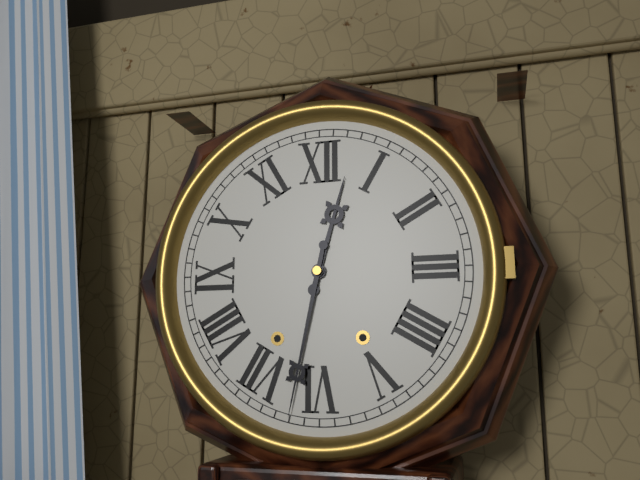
h=12 m=32
